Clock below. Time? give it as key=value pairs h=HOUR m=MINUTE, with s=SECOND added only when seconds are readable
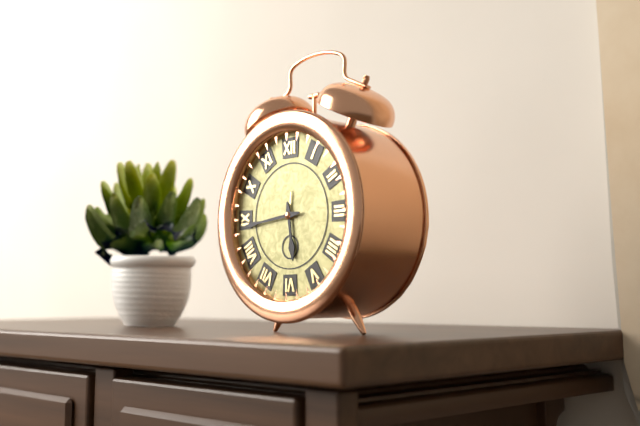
h=5 m=44
